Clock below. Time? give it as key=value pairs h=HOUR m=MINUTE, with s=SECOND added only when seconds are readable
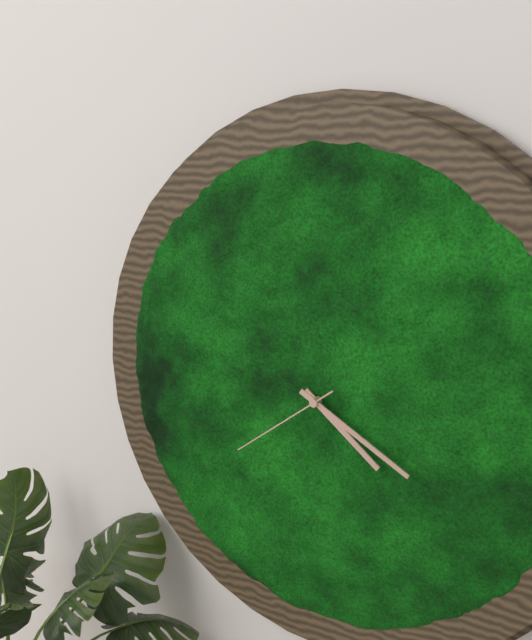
h=4 m=20 s=39
